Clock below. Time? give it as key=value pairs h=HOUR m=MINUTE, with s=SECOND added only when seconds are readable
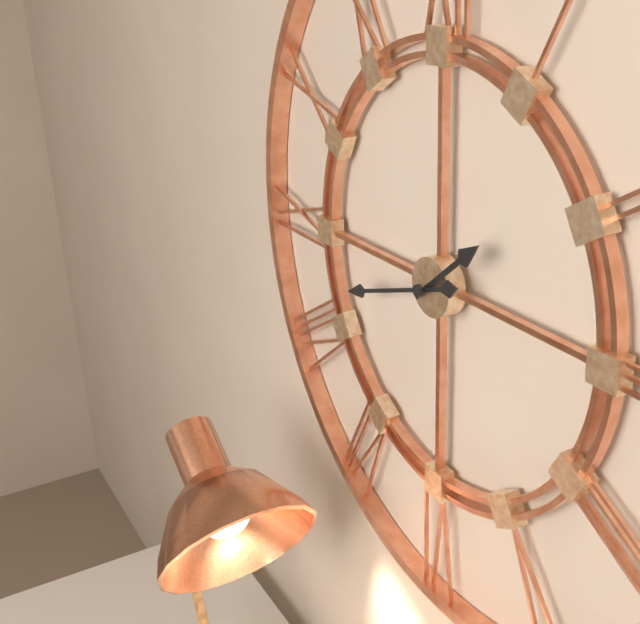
h=1 m=42
